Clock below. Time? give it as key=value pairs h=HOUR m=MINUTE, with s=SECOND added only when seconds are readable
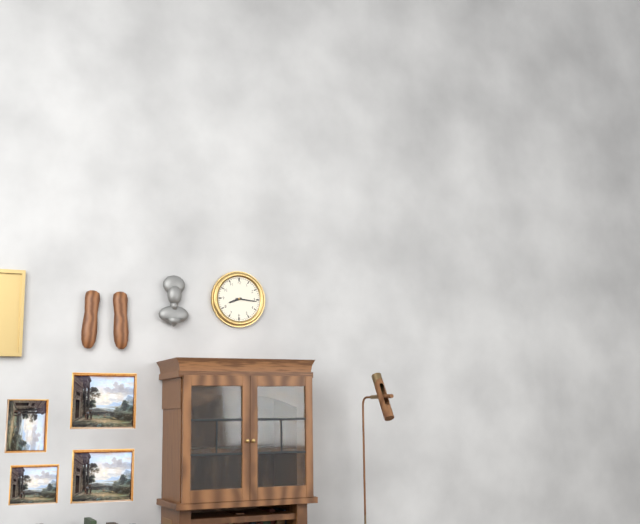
h=8 m=16
